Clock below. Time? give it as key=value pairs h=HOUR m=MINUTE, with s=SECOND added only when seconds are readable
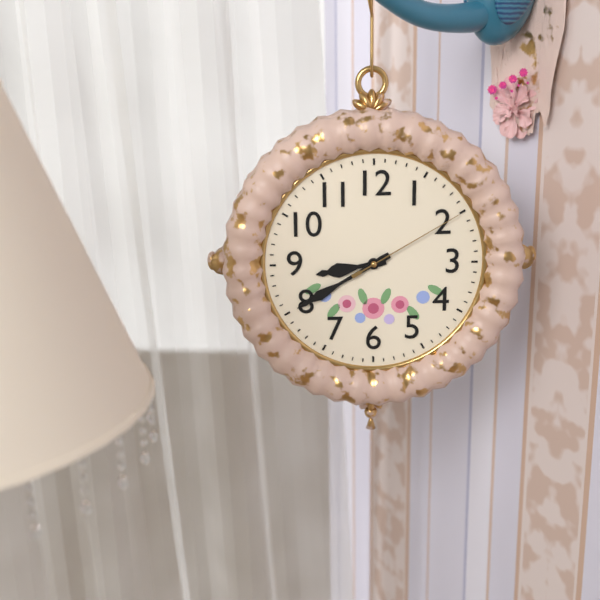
h=8 m=40 s=10
